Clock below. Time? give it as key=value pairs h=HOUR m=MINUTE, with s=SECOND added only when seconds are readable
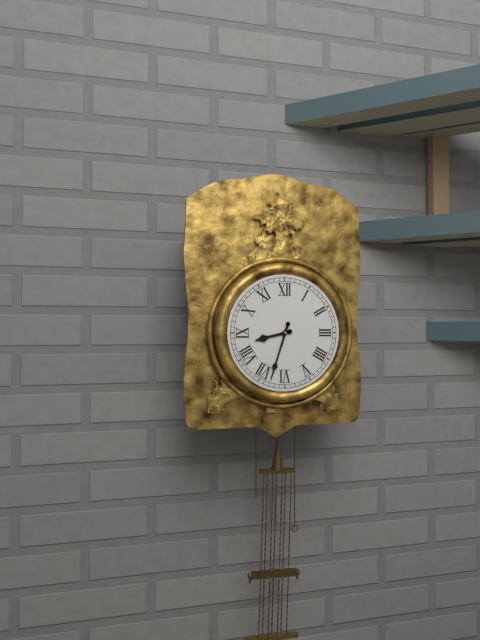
h=8 m=33
